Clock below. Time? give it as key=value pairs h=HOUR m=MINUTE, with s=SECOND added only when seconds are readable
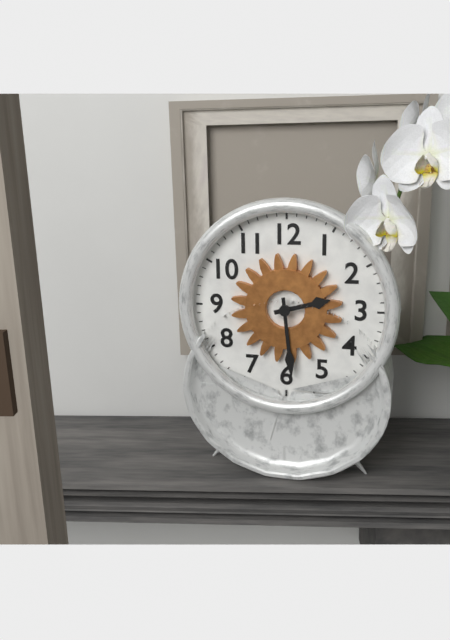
h=2 m=29
